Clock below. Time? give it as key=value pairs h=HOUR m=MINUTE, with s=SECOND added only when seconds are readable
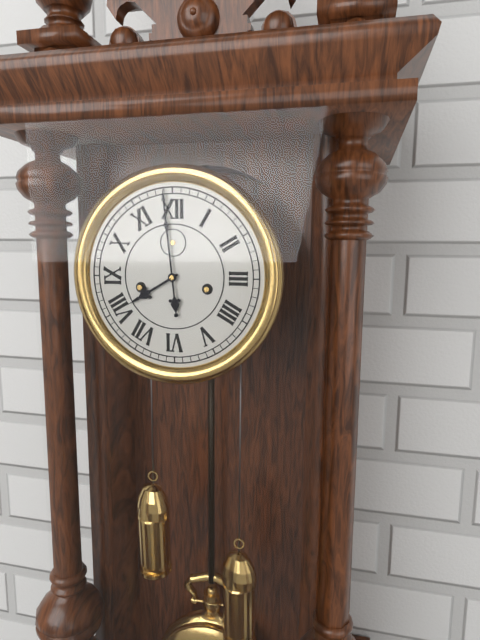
h=7 m=59
